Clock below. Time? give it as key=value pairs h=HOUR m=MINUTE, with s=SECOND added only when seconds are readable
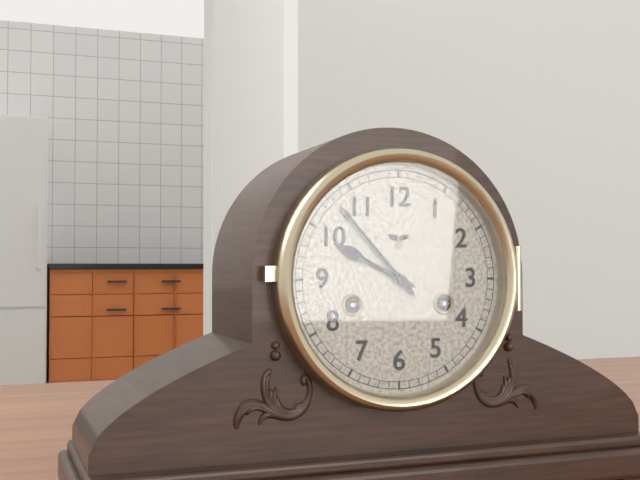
h=9 m=53
